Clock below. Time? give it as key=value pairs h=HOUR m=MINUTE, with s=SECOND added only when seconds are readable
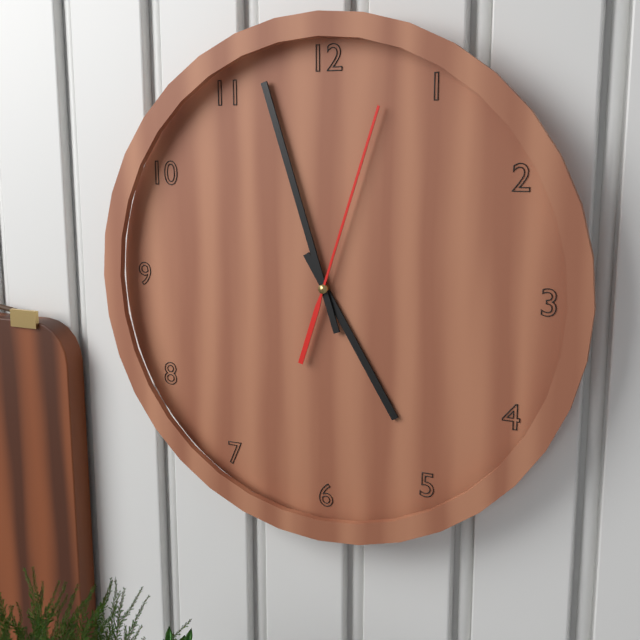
h=4 m=57 s=3
